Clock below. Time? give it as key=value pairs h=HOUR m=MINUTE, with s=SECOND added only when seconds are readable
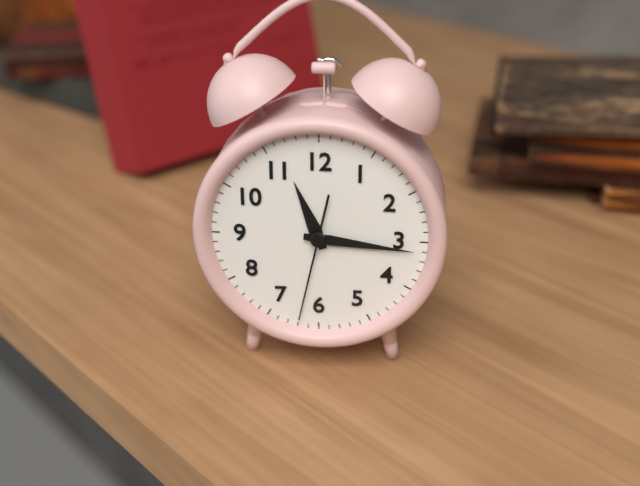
h=11 m=16 s=32
